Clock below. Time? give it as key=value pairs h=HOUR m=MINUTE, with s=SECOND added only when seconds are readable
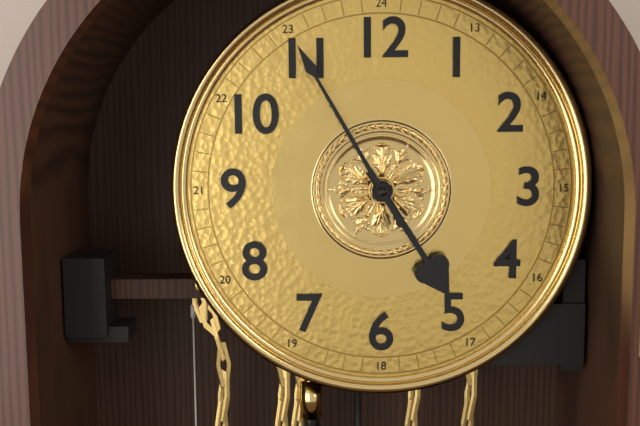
h=4 m=55
